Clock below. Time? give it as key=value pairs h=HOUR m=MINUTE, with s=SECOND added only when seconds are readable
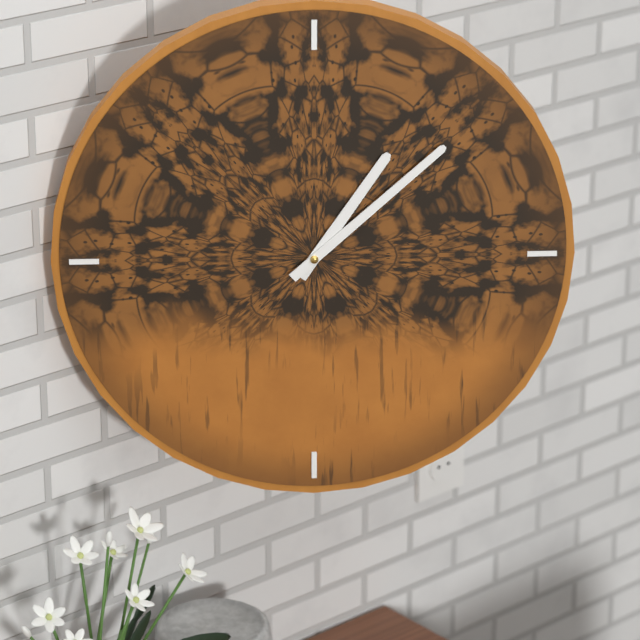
h=1 m=8
